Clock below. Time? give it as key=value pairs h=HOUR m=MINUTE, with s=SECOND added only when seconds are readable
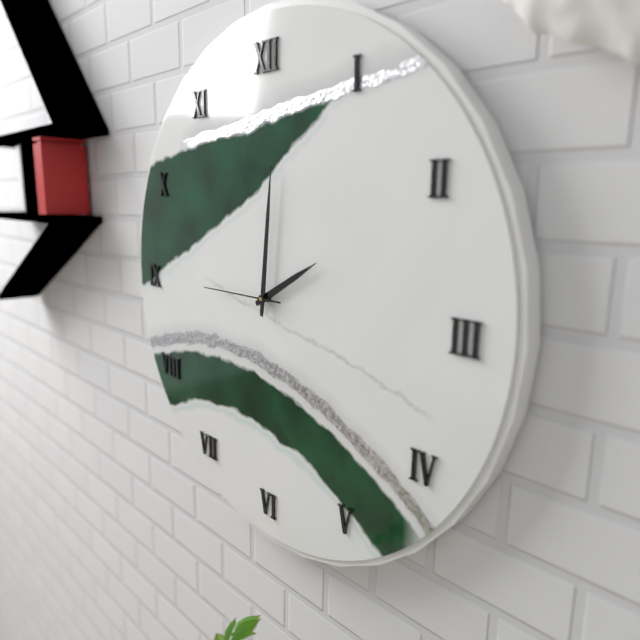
h=2 m=1 s=45
